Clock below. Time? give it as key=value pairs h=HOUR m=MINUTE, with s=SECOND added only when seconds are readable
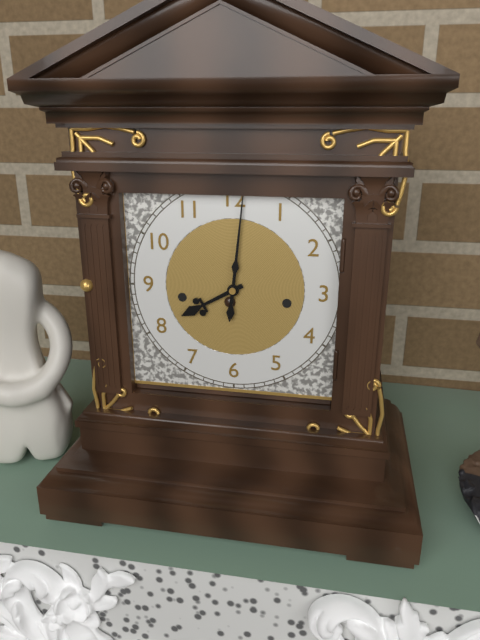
h=8 m=1
